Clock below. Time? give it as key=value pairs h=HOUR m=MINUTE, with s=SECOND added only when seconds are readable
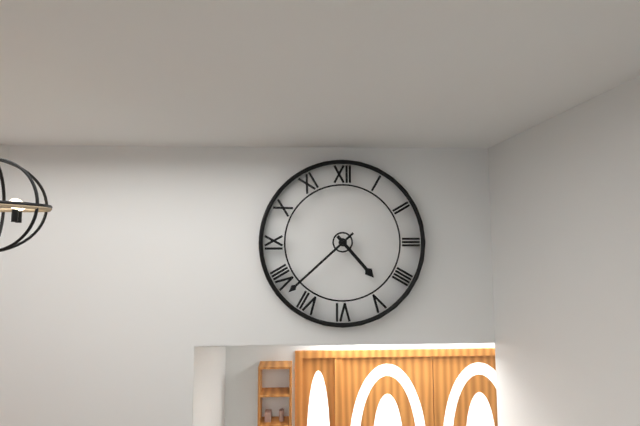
h=4 m=38
